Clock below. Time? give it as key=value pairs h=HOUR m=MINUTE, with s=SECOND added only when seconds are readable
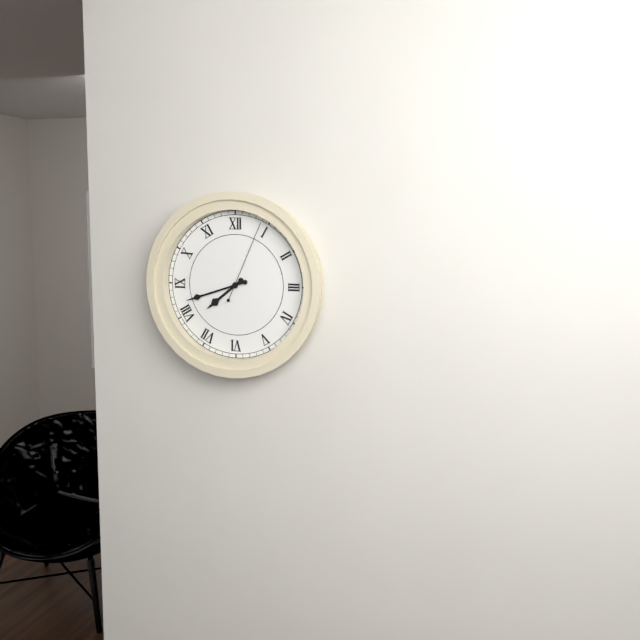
h=7 m=42 s=4
